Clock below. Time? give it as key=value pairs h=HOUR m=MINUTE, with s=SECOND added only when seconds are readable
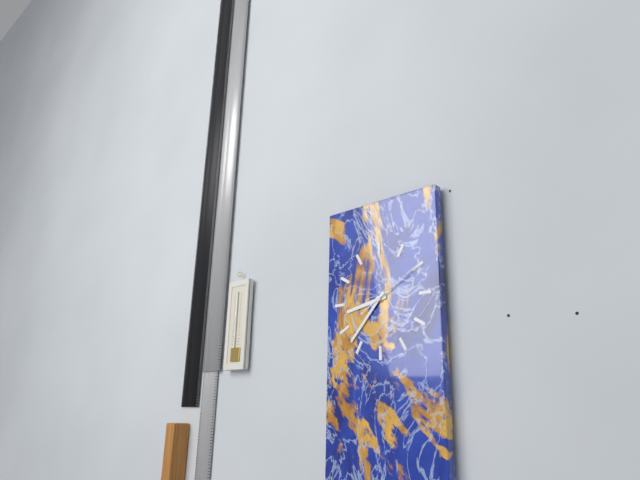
h=8 m=37 s=10
